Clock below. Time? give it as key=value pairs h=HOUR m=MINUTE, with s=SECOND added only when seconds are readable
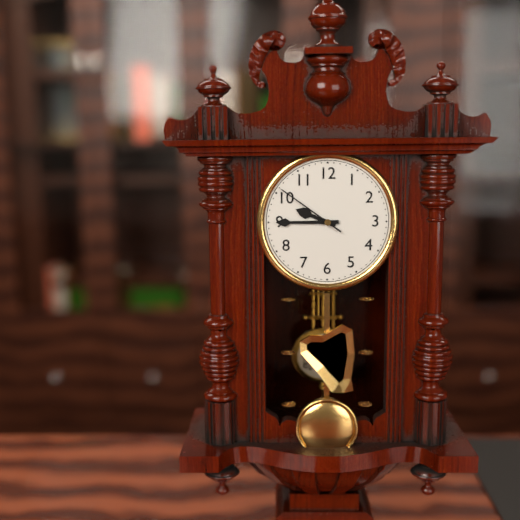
h=9 m=45 s=51
